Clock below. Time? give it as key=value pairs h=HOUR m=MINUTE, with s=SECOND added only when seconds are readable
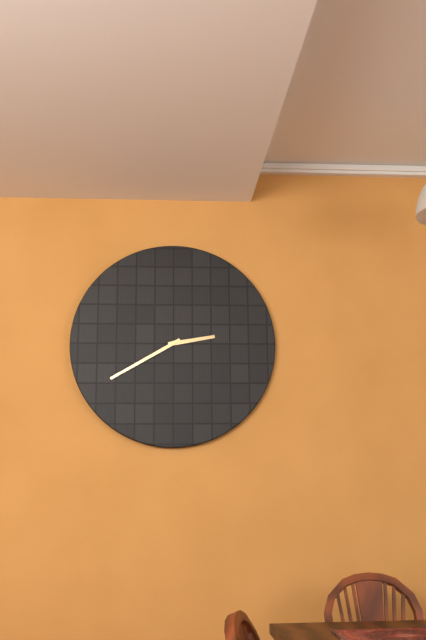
h=2 m=40
